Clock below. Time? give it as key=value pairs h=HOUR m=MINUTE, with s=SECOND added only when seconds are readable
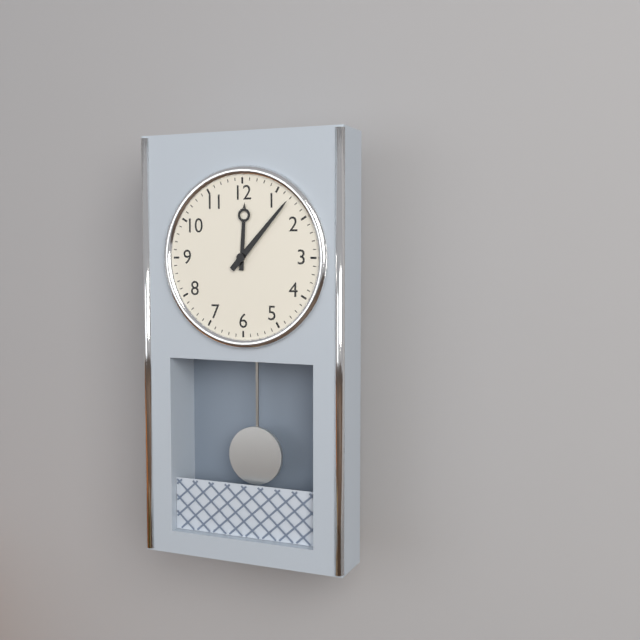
h=12 m=7
